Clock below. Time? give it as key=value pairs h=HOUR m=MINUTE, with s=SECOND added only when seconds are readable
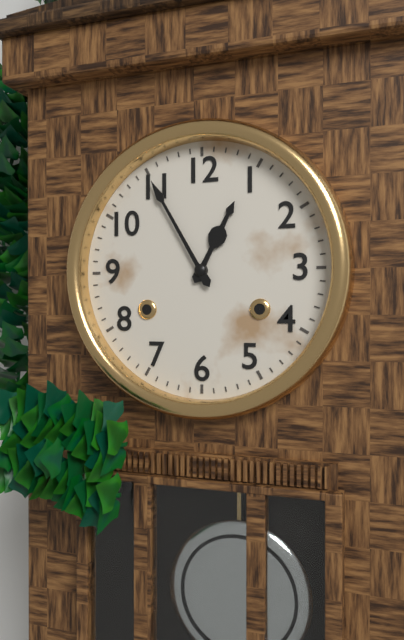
h=12 m=55
